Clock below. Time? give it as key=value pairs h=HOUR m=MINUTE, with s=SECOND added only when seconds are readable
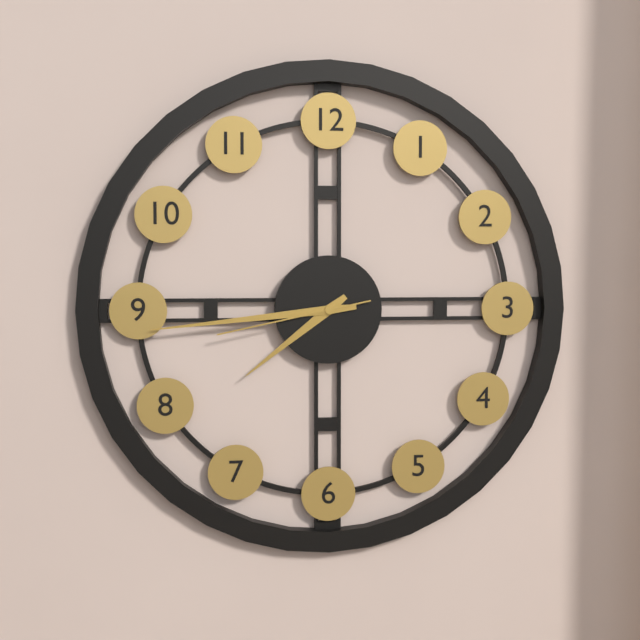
h=7 m=44 s=43
